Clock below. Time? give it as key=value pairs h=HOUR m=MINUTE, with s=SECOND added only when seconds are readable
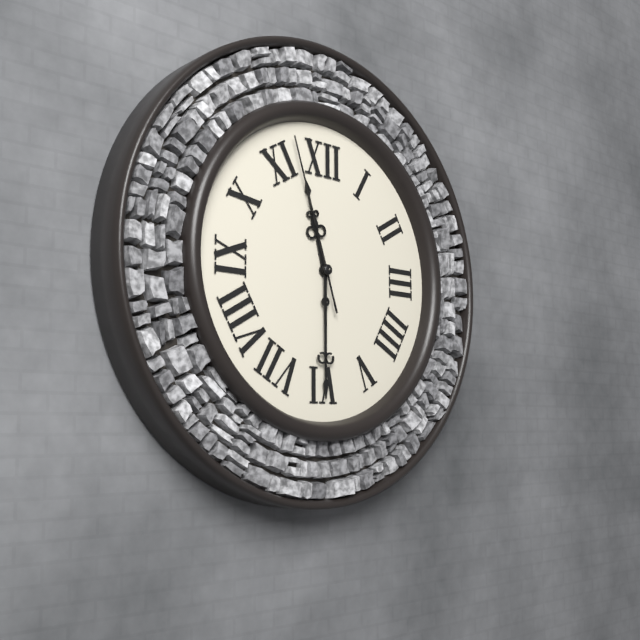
h=11 m=30 s=57
